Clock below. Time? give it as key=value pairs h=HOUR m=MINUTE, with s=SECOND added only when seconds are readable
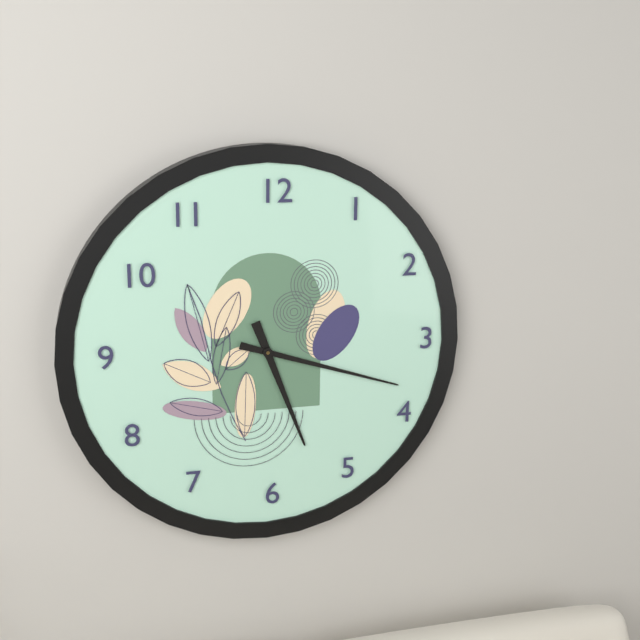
h=5 m=18
